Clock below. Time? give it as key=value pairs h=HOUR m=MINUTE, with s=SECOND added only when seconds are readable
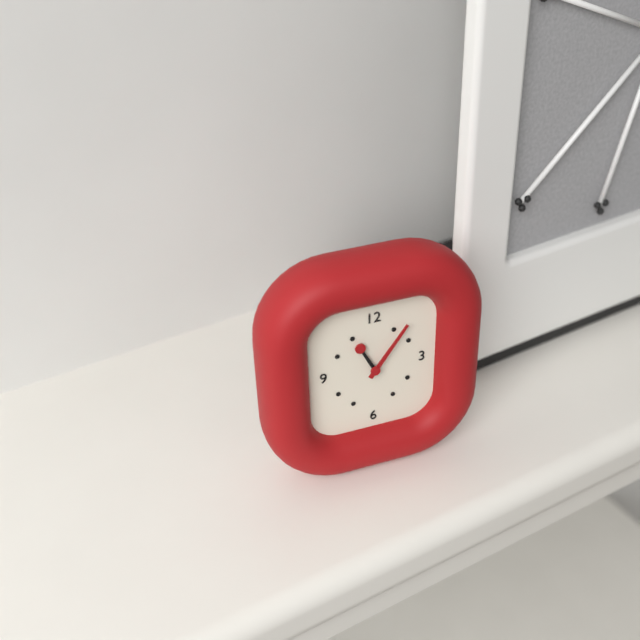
h=11 m=6
